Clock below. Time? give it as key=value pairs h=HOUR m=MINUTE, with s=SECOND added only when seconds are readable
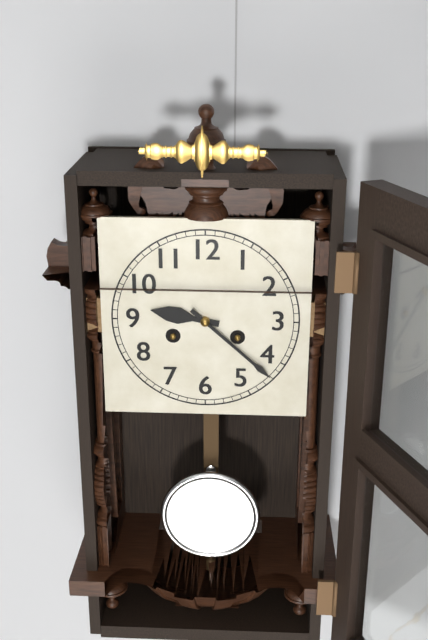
h=9 m=22
